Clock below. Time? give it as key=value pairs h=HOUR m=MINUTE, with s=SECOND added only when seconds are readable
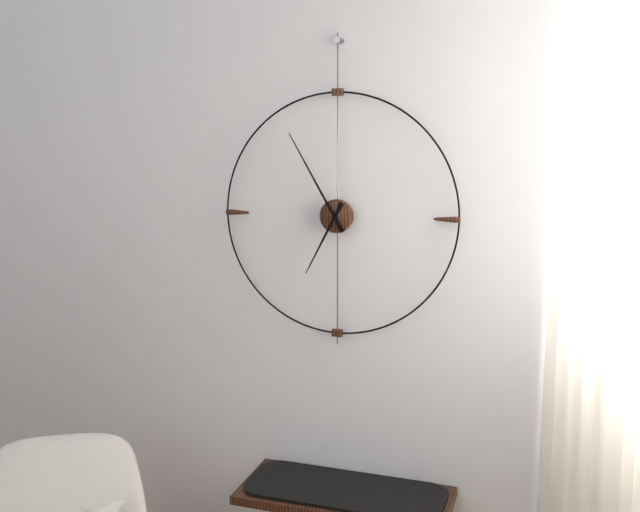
h=6 m=55
